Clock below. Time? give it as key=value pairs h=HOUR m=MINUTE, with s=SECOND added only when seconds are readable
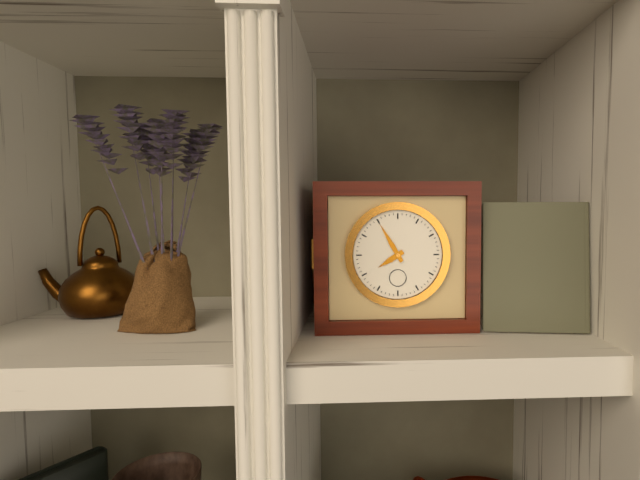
h=7 m=55
